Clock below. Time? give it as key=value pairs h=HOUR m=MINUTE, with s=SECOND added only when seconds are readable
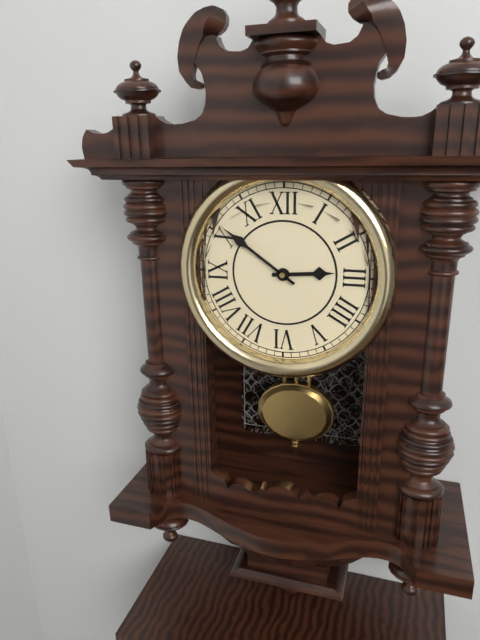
h=2 m=51
